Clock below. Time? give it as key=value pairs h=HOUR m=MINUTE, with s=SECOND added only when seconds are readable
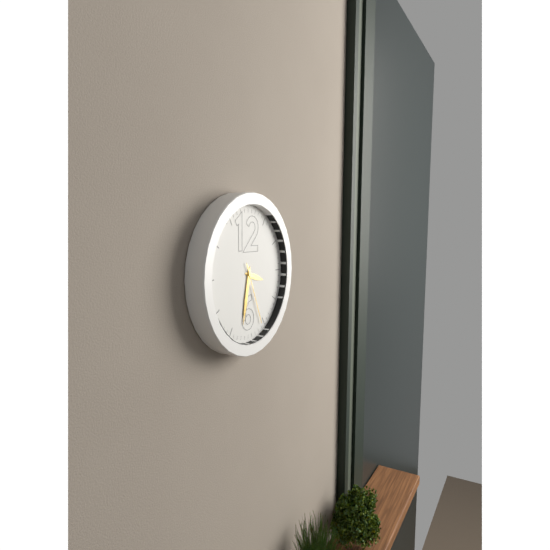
h=3 m=32 s=26
